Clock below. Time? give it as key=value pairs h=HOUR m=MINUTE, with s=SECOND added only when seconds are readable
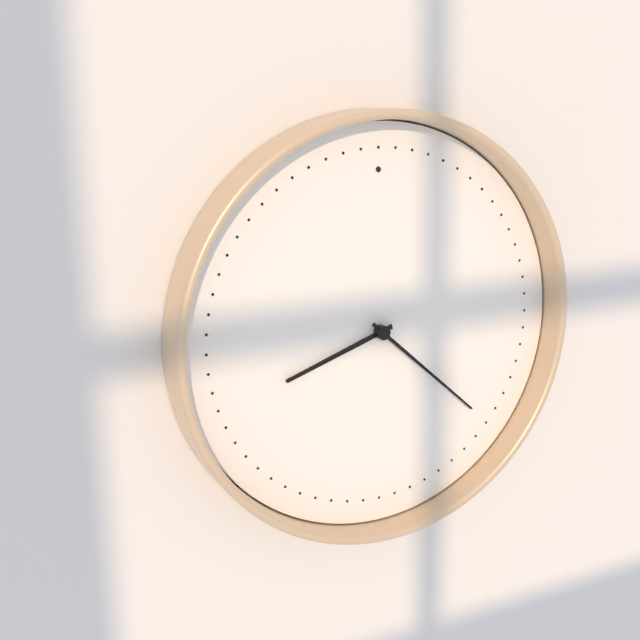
h=8 m=22
